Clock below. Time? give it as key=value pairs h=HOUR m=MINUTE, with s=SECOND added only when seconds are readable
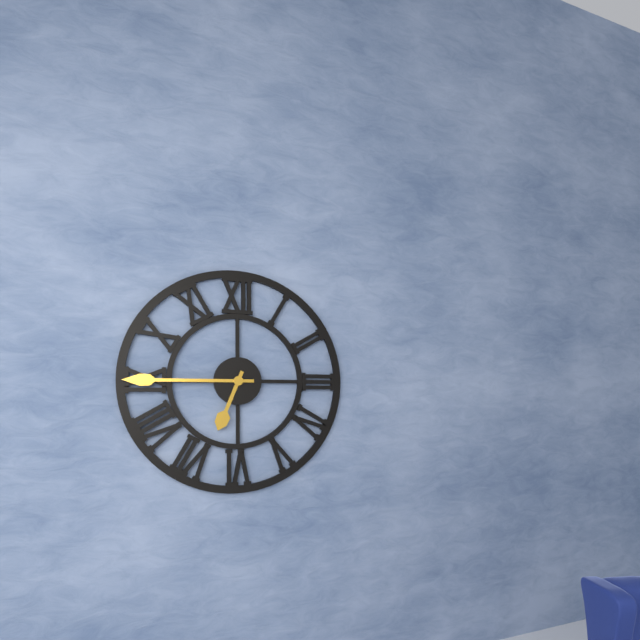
h=6 m=45
